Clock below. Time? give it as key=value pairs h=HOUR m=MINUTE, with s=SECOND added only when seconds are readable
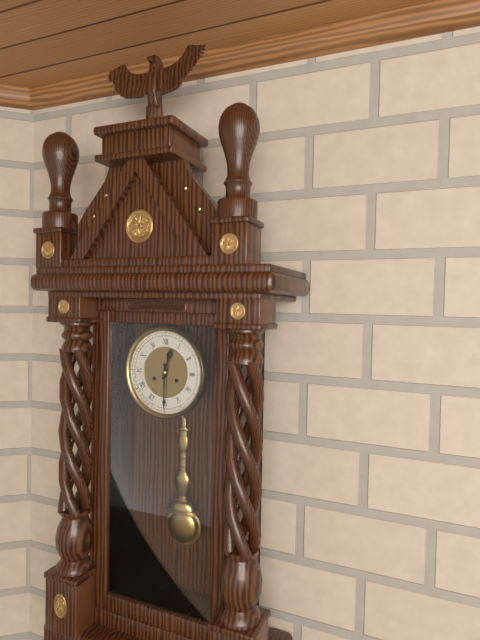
h=12 m=30
